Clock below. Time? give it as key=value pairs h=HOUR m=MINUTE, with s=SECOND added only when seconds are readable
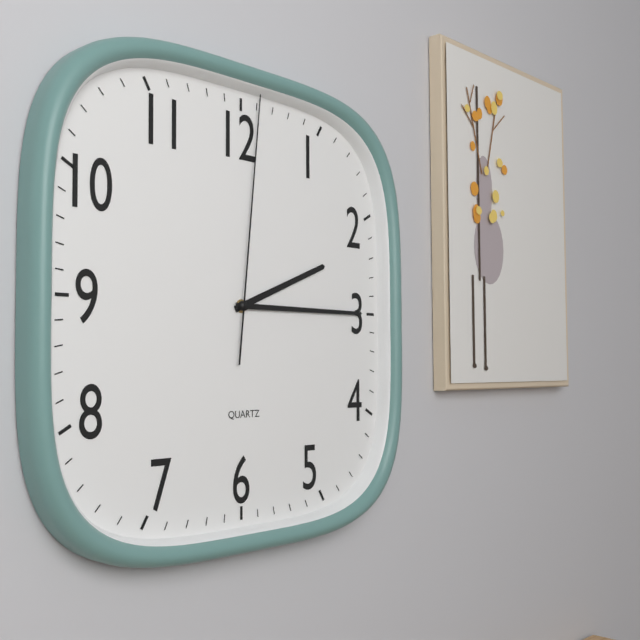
h=2 m=15 s=1
